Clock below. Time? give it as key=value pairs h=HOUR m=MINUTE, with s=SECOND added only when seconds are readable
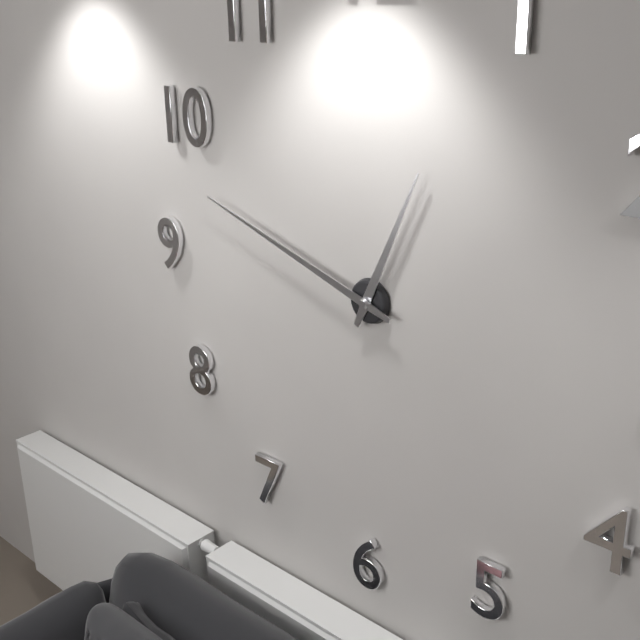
h=12 m=48
